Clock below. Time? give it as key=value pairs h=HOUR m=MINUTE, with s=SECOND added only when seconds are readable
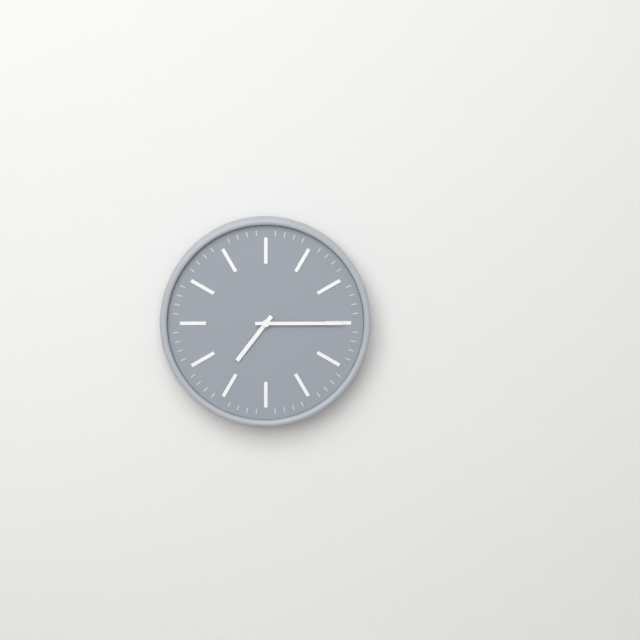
h=7 m=15
